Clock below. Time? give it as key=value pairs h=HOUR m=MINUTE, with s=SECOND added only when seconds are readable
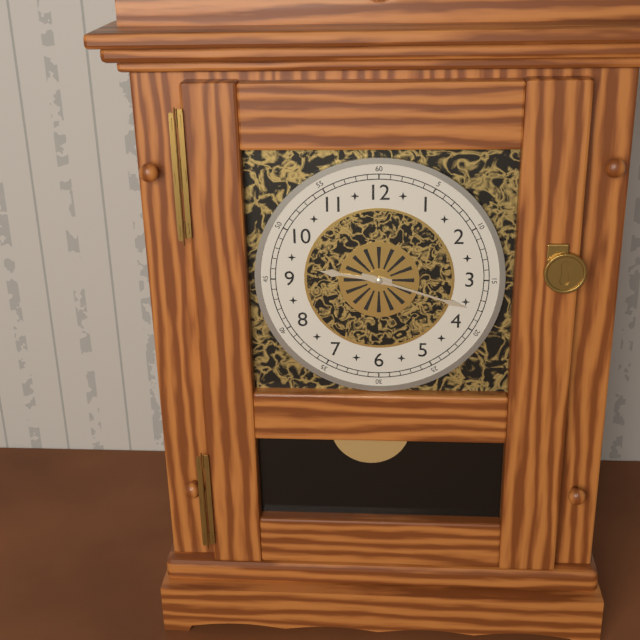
h=9 m=18
